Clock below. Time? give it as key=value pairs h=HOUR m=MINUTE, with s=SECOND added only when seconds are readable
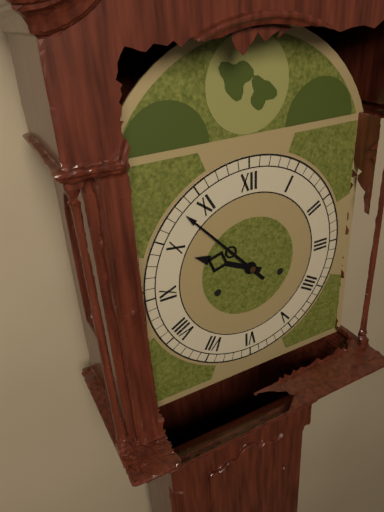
h=9 m=53
